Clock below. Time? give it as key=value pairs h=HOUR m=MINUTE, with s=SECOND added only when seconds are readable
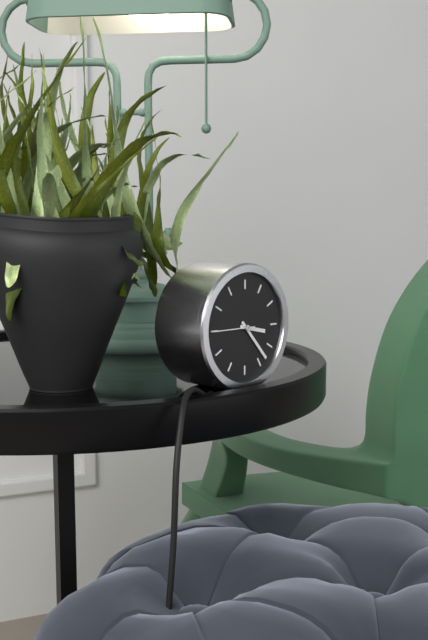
h=3 m=23
